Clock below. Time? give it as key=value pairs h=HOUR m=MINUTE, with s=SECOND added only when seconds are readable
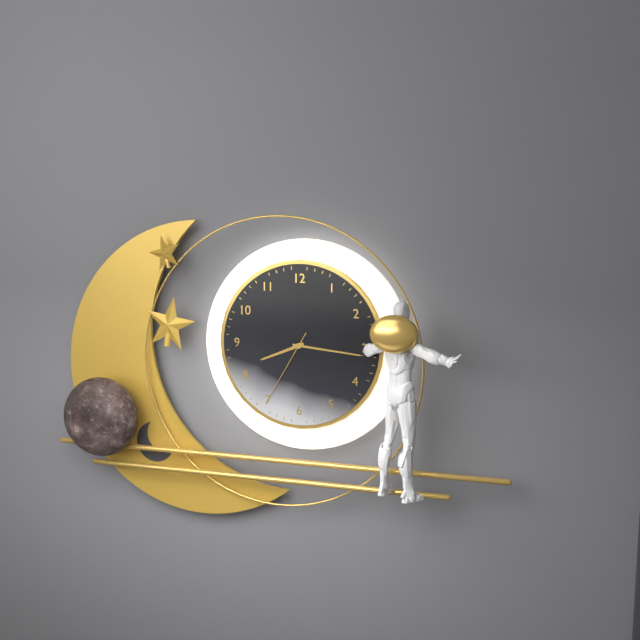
h=8 m=16 s=35
